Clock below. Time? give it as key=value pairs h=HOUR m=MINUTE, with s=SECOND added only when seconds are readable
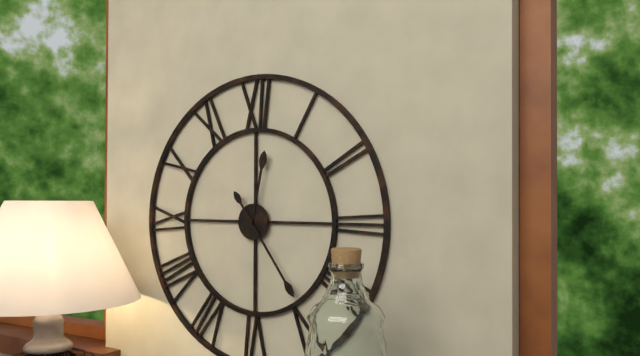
h=12 m=24
